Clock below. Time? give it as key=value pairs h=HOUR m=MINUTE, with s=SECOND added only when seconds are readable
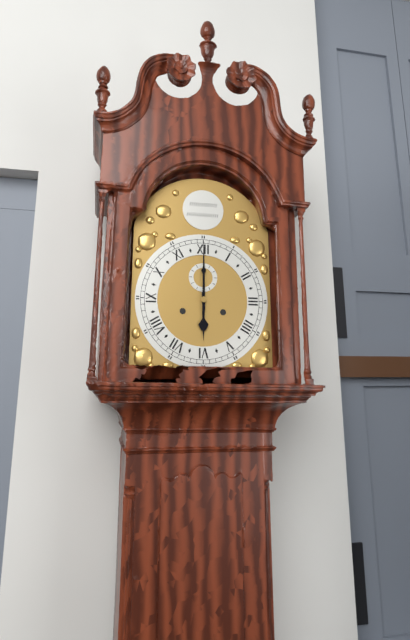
h=6 m=0
